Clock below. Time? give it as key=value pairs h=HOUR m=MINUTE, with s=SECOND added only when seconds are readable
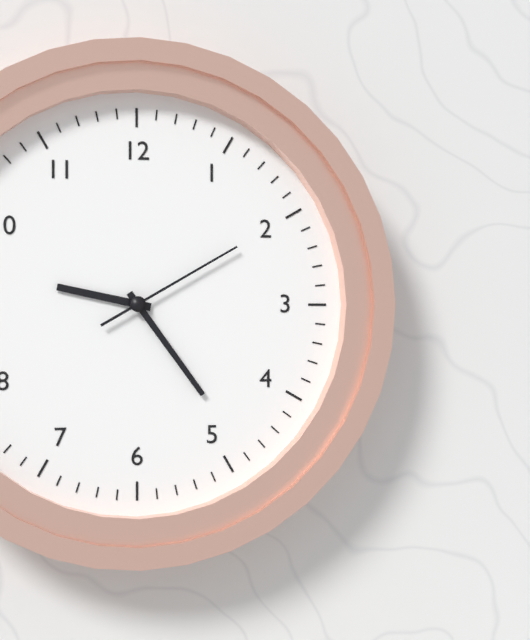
h=9 m=24 s=10
